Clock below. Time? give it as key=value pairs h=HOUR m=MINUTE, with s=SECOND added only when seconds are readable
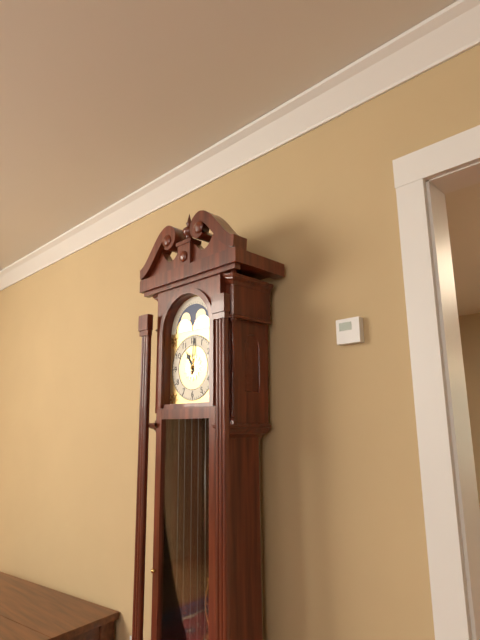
h=11 m=1
